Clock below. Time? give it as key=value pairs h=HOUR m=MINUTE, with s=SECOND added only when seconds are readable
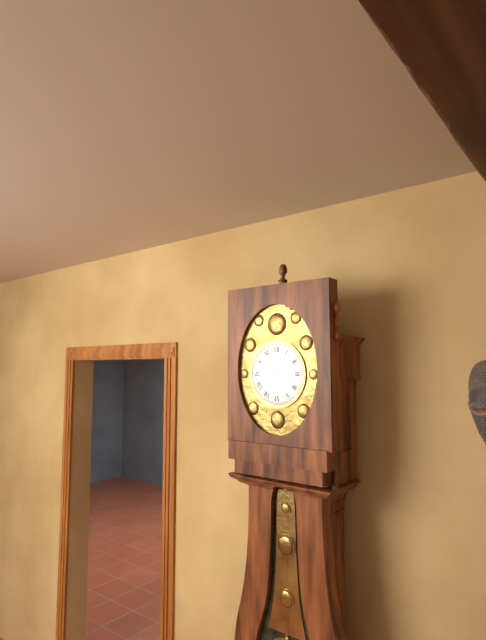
h=8 m=19
